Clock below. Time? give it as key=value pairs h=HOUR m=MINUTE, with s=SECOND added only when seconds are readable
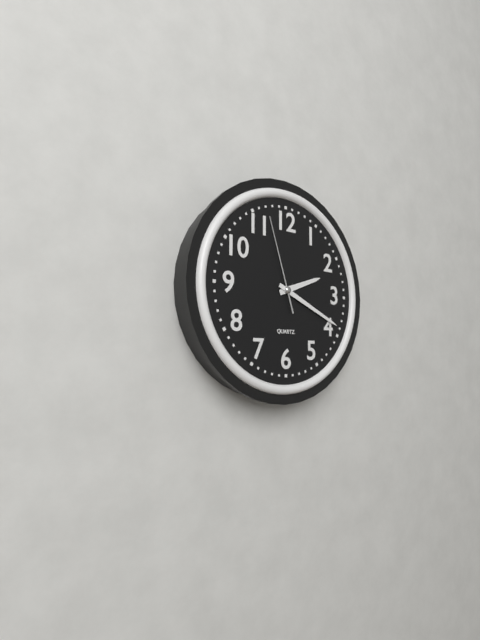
h=2 m=19 s=57
